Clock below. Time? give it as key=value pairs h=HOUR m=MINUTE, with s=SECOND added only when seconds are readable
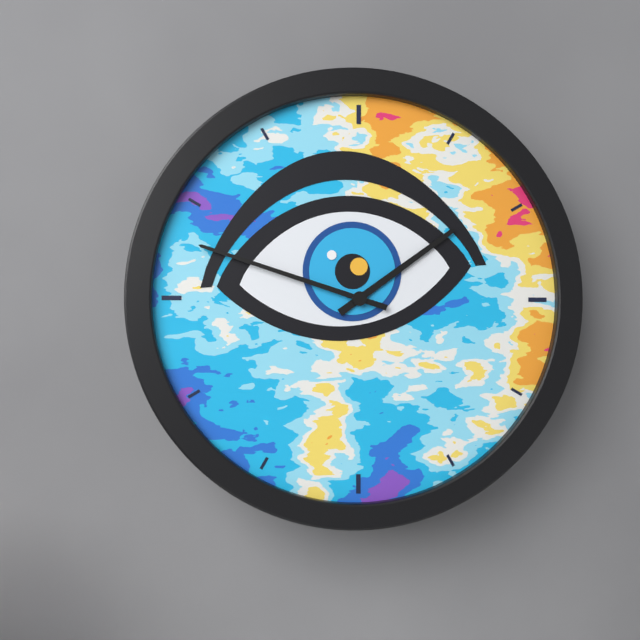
h=1 m=48
